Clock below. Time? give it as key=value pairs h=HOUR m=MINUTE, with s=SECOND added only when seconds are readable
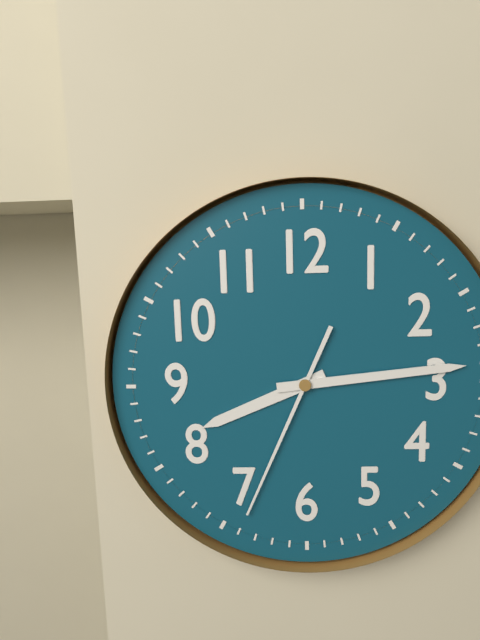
h=8 m=14 s=34
